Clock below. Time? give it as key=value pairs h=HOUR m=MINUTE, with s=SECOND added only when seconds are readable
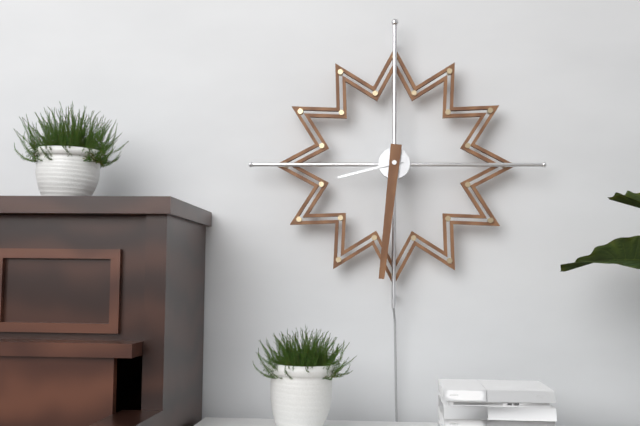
h=8 m=31
